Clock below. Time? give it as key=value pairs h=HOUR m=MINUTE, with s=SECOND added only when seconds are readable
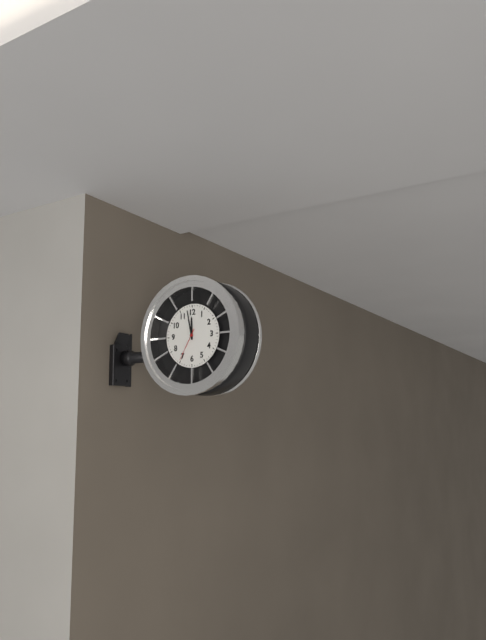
h=11 m=58
